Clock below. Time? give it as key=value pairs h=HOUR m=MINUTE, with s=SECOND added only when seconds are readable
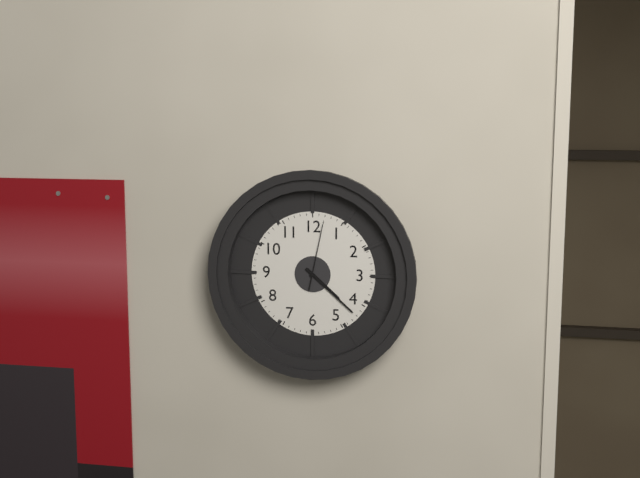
h=4 m=22 s=2
